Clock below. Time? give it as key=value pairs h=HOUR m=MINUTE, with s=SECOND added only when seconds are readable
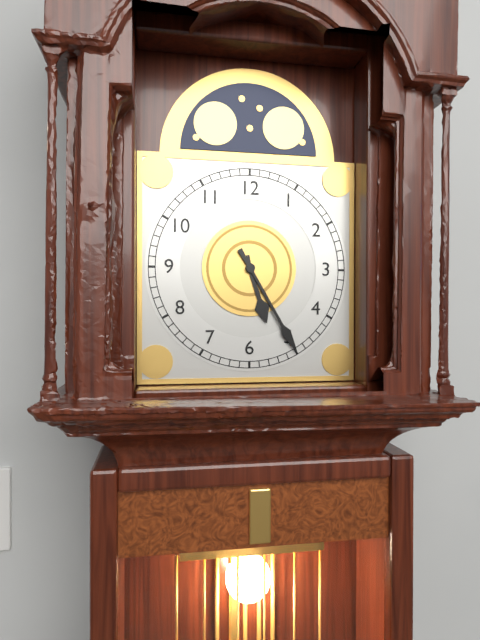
h=5 m=25
